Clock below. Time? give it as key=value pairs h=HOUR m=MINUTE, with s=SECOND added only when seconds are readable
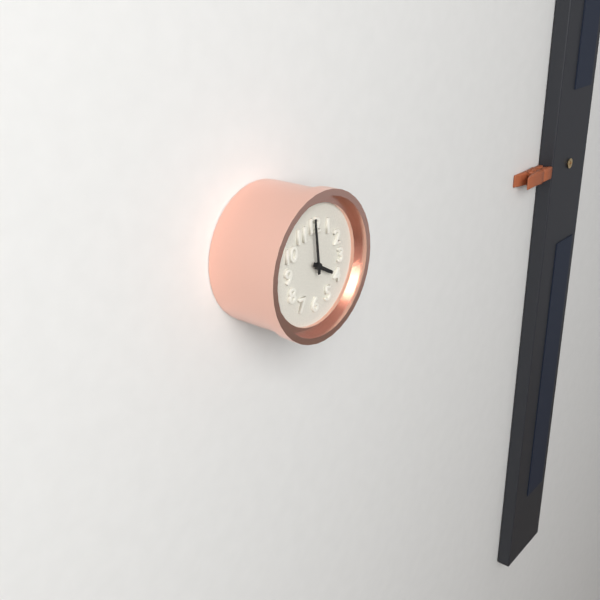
h=3 m=59
